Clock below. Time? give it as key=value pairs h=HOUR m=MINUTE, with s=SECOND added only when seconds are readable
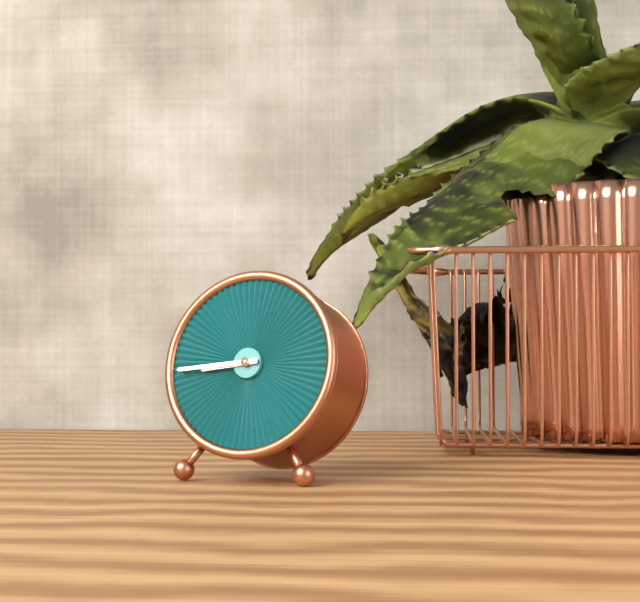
h=8 m=44
